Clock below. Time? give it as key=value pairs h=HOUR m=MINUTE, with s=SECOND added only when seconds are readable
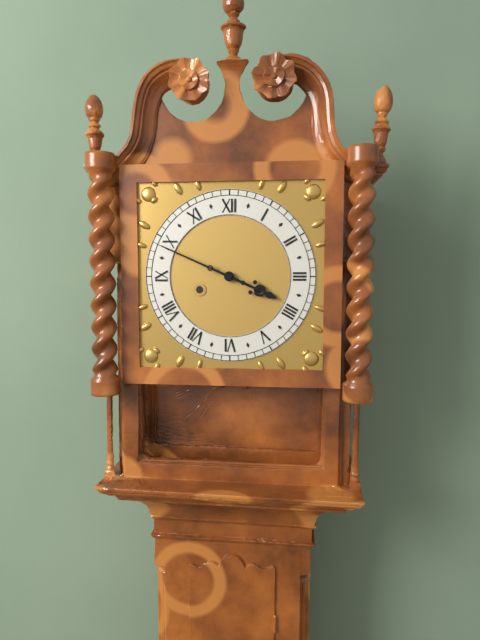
h=3 m=49
